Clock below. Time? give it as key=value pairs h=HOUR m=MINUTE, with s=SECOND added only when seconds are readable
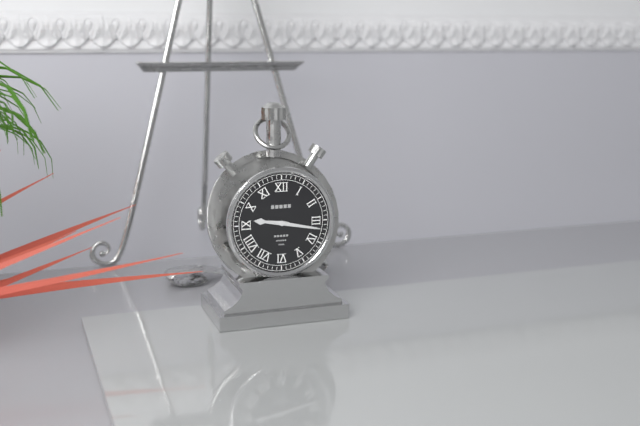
h=9 m=17
